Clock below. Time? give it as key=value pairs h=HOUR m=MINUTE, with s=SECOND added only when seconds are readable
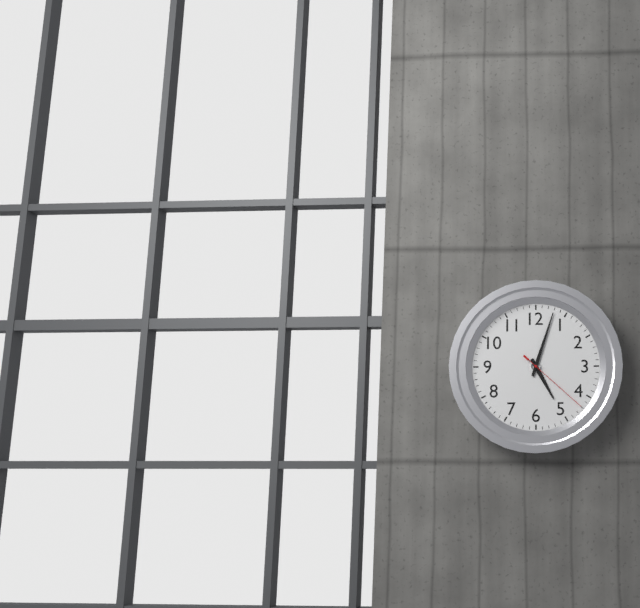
h=5 m=3 s=22
